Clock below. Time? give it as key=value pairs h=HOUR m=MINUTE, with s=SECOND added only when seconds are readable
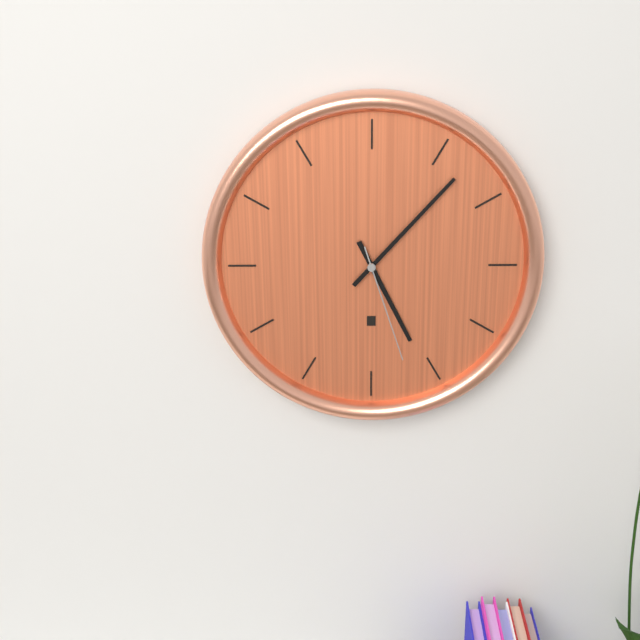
h=5 m=7 s=27
